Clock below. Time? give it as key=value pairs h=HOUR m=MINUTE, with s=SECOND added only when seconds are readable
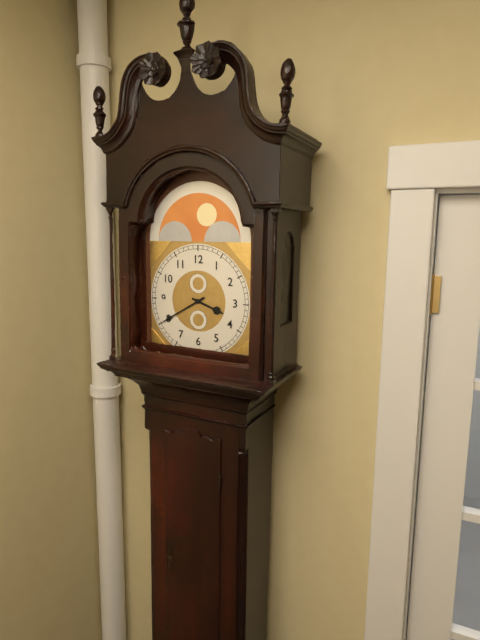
h=3 m=40
